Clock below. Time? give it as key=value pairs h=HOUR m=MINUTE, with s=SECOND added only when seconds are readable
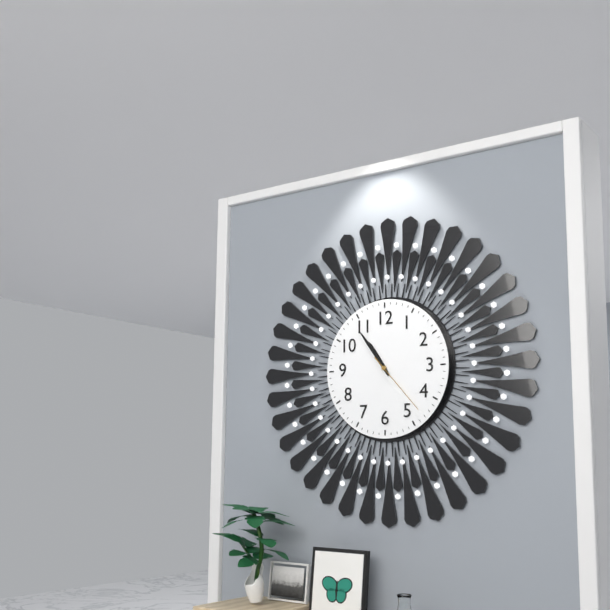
h=10 m=54 s=23
